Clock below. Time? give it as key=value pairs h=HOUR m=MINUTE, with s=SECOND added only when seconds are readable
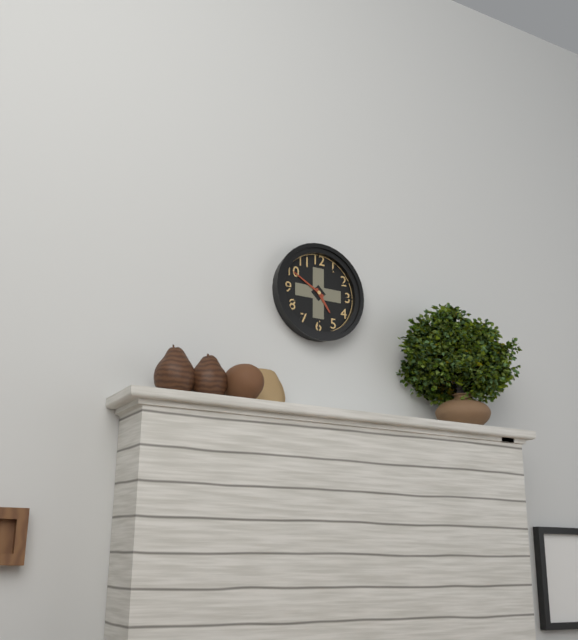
h=4 m=50
